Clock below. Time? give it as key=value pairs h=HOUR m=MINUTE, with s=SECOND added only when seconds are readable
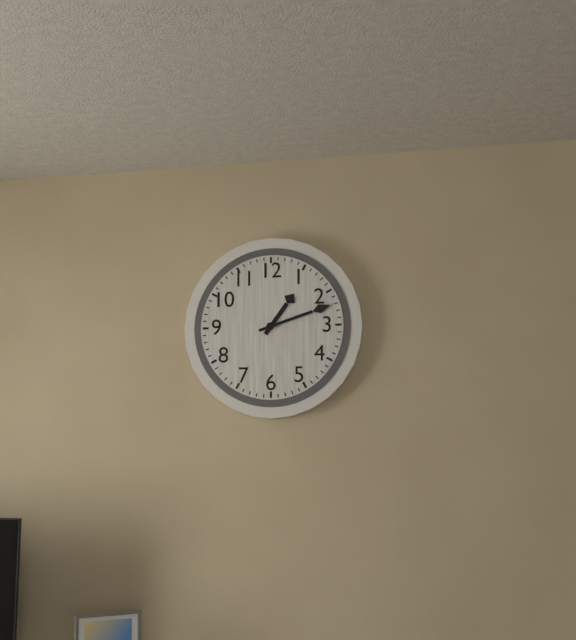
h=1 m=12
